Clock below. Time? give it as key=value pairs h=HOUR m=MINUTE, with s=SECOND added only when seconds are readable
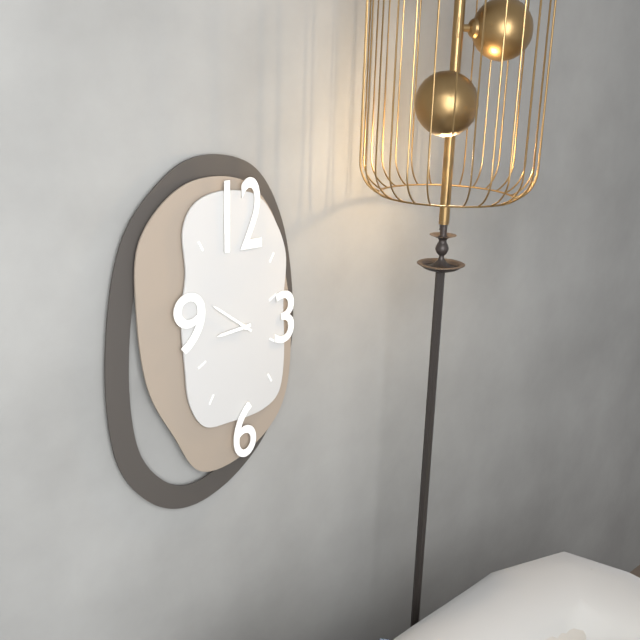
h=8 m=51
